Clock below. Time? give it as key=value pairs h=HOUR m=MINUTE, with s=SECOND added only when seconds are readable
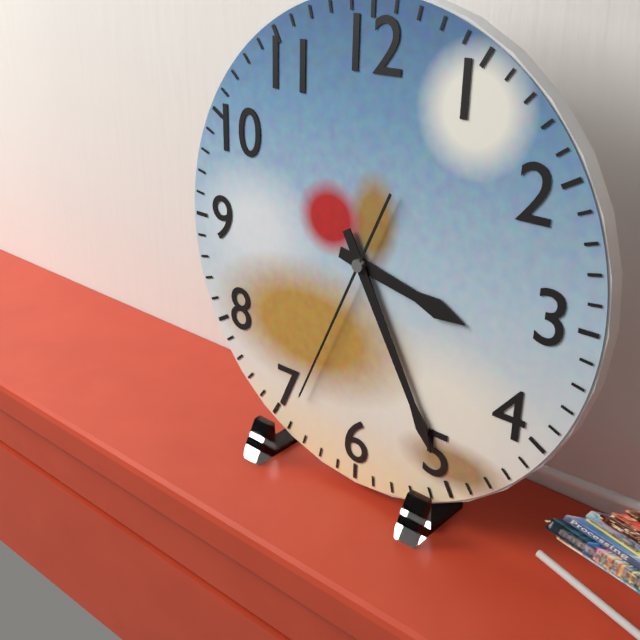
h=3 m=25 s=34
